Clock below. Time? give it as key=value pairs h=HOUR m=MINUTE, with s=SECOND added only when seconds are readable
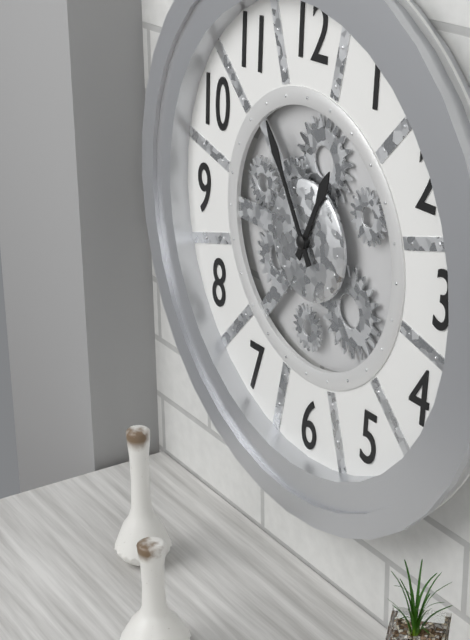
h=12 m=55
